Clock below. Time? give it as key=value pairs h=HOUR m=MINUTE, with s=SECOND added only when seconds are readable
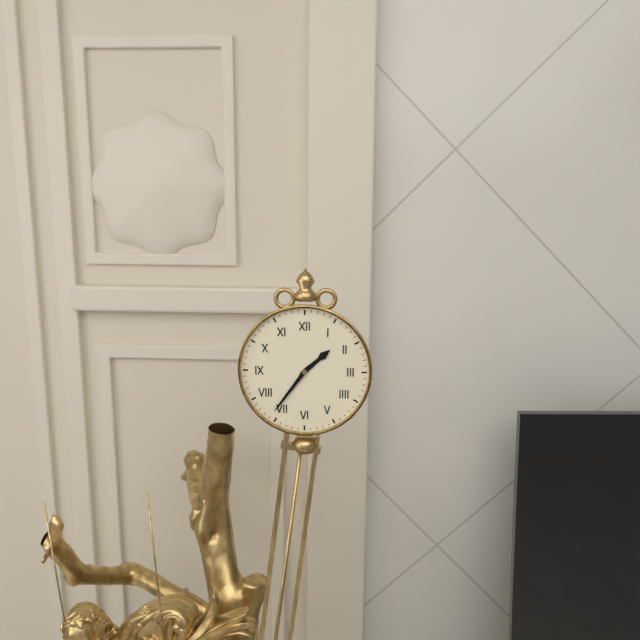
h=1 m=36
